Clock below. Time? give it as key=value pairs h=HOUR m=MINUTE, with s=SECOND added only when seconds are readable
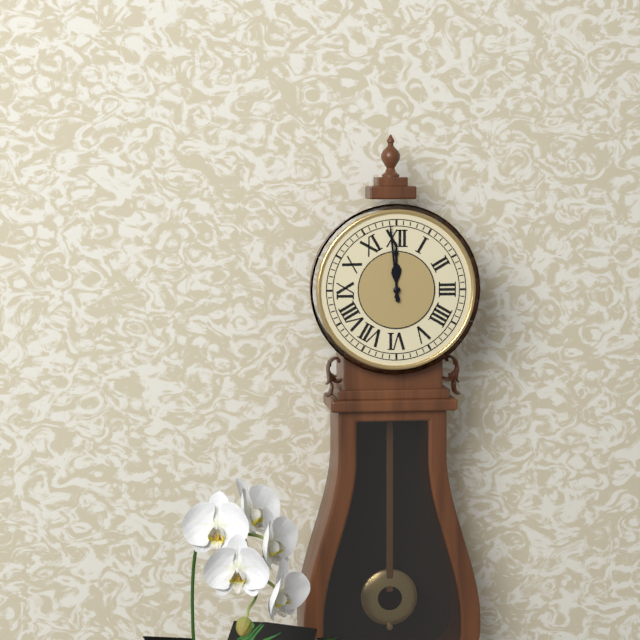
h=11 m=59
